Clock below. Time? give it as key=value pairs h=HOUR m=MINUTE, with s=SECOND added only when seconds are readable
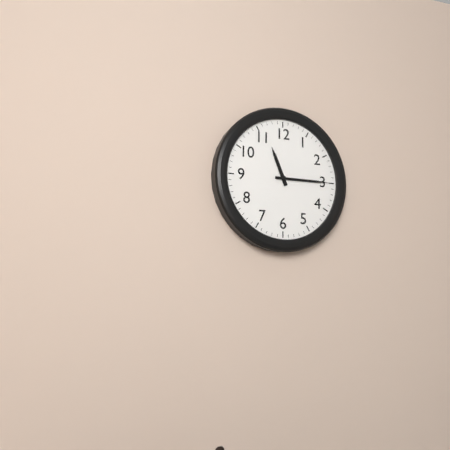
h=11 m=15
